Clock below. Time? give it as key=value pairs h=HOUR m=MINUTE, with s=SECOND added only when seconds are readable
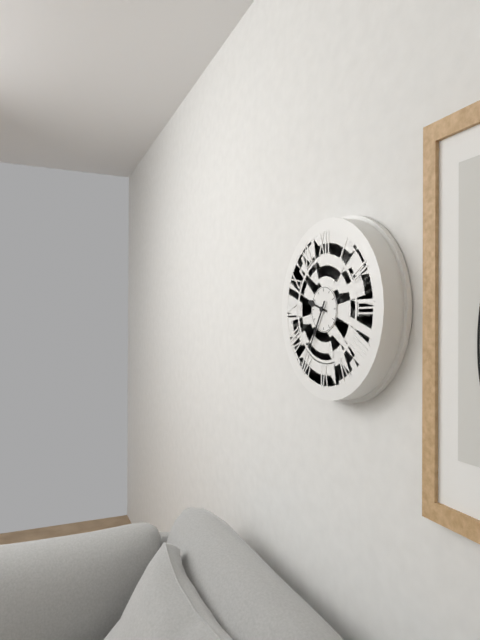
h=9 m=35
